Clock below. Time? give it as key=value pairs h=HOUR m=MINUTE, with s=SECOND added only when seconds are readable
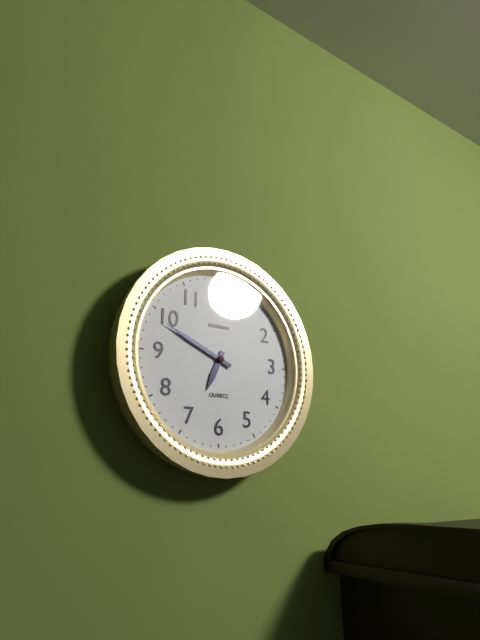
h=6 m=49
